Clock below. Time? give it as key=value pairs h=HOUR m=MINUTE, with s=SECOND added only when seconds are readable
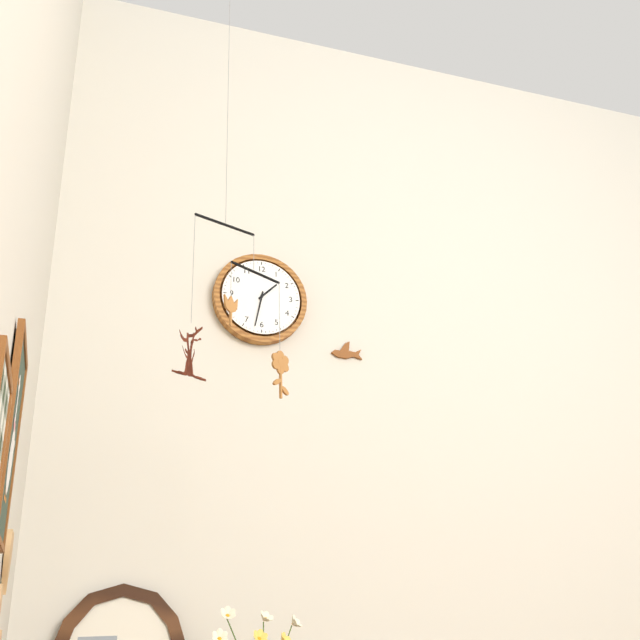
h=1 m=32
